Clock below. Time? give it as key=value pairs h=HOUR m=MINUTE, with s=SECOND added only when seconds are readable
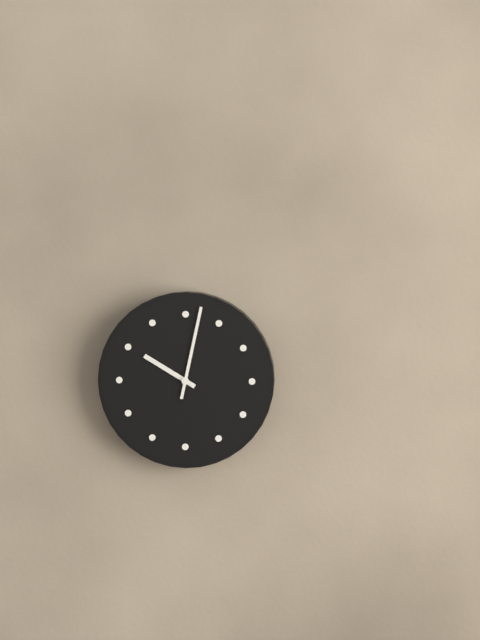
h=10 m=2
